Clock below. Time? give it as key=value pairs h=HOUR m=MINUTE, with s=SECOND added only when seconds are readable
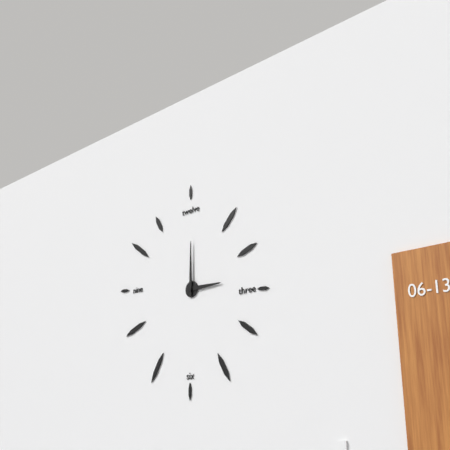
h=3 m=0
